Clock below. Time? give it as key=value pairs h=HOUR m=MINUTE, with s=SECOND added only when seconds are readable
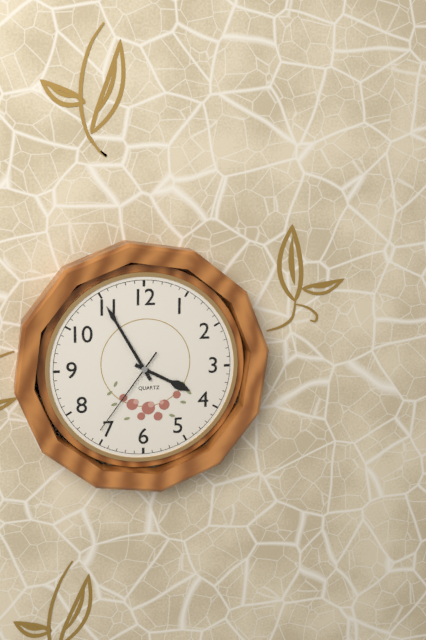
h=3 m=55 s=36
